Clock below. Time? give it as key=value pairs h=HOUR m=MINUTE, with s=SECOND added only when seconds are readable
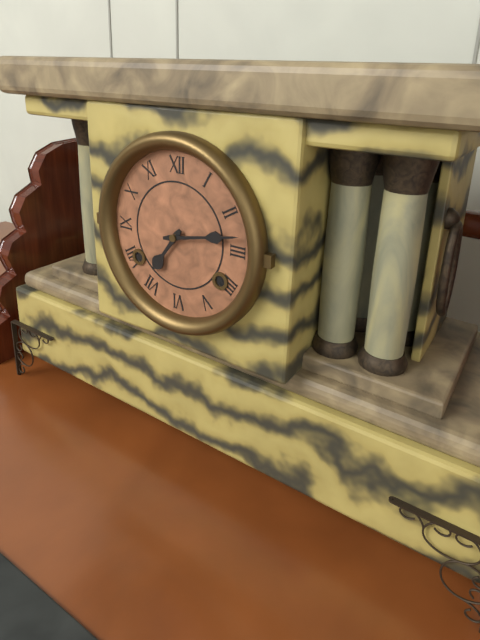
h=7 m=13
